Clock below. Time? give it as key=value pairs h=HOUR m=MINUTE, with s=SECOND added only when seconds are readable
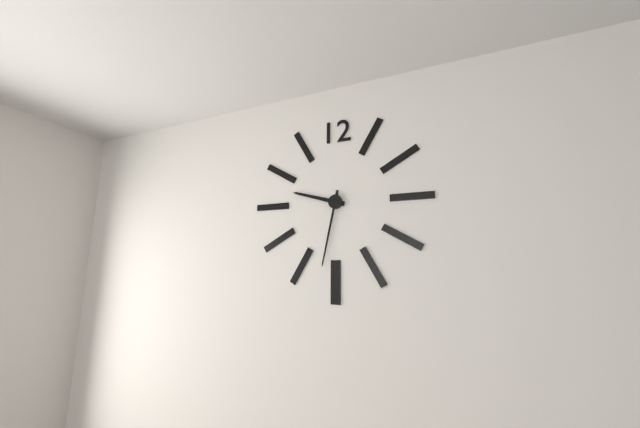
h=9 m=32
